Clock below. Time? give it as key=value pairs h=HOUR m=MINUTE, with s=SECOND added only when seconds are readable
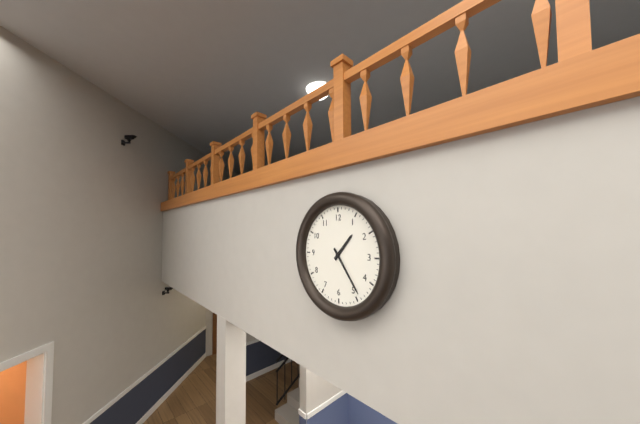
h=1 m=24
